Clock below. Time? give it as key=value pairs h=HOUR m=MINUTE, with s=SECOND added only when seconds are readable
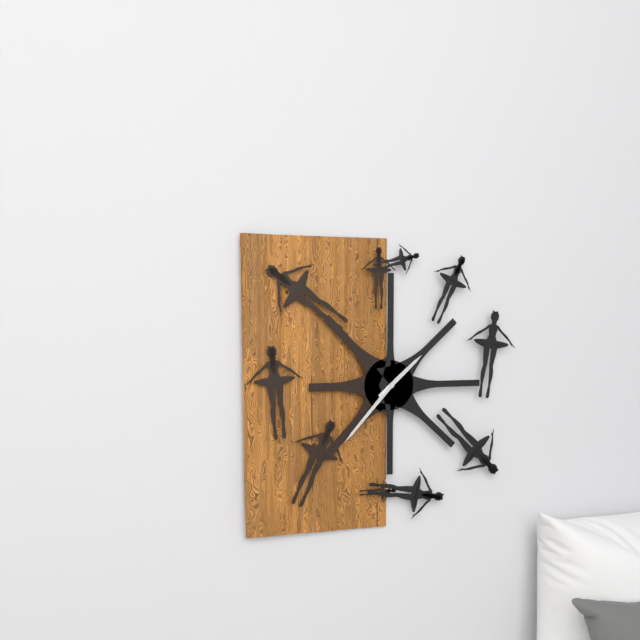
h=1 m=37
